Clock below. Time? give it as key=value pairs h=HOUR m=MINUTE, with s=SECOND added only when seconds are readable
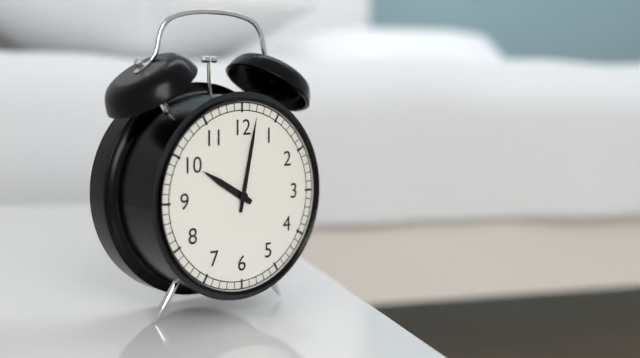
h=10 m=2
